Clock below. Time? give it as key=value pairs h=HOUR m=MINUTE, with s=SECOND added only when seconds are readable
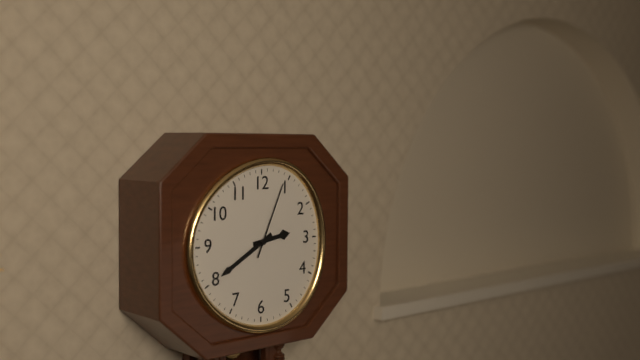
h=2 m=40 s=4
